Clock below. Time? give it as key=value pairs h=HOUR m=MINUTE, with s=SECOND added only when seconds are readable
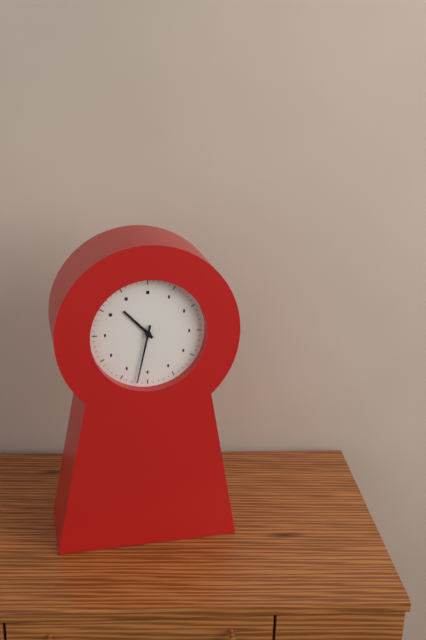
h=10 m=32
